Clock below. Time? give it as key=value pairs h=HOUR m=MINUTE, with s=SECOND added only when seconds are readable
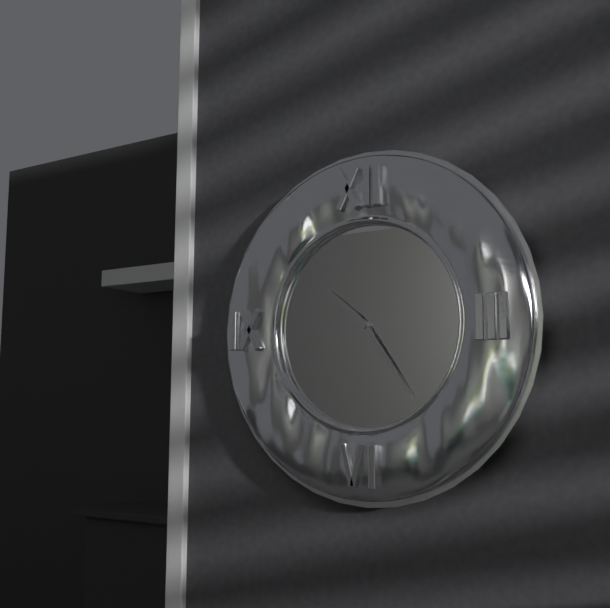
h=10 m=24
